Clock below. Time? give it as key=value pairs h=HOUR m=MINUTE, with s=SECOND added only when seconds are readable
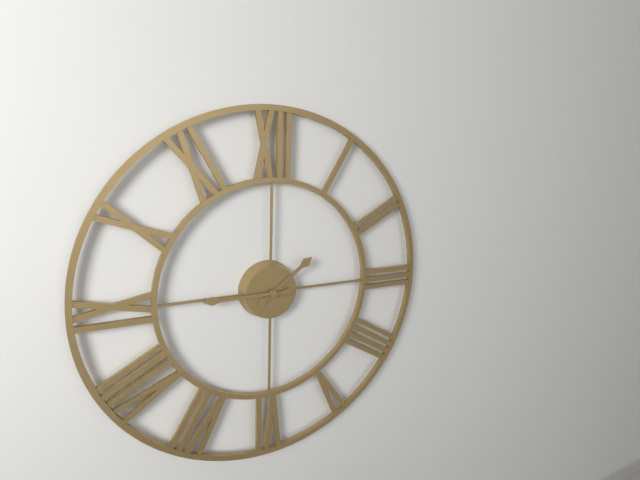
h=1 m=45
